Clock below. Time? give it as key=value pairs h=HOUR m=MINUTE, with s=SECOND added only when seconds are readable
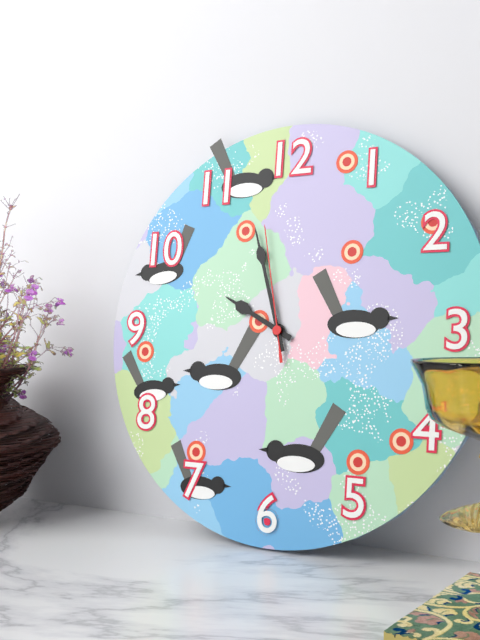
h=9 m=57 s=58
